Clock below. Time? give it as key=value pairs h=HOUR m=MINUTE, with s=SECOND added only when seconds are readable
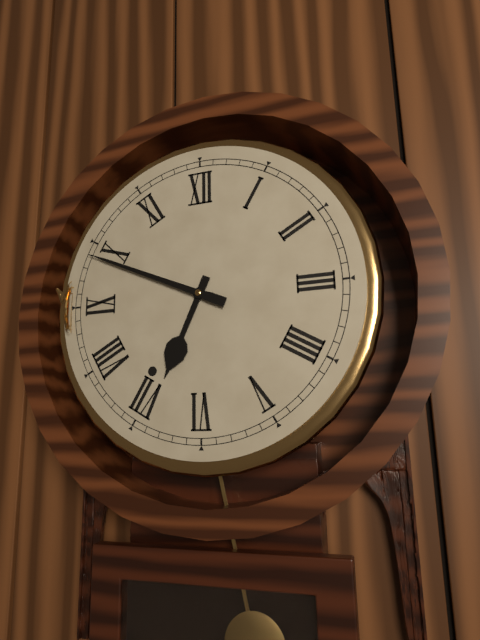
h=6 m=49
